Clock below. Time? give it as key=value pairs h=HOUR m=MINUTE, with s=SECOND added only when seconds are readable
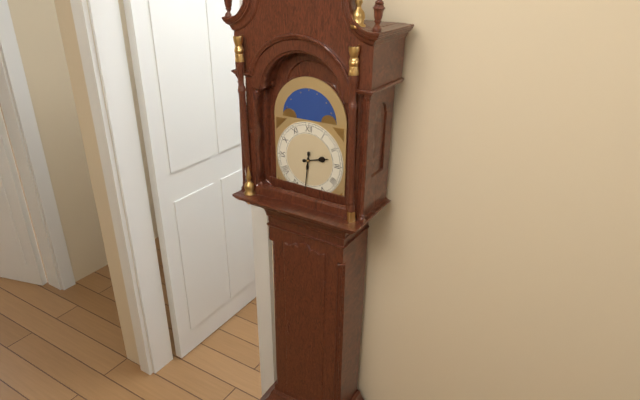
h=2 m=31
